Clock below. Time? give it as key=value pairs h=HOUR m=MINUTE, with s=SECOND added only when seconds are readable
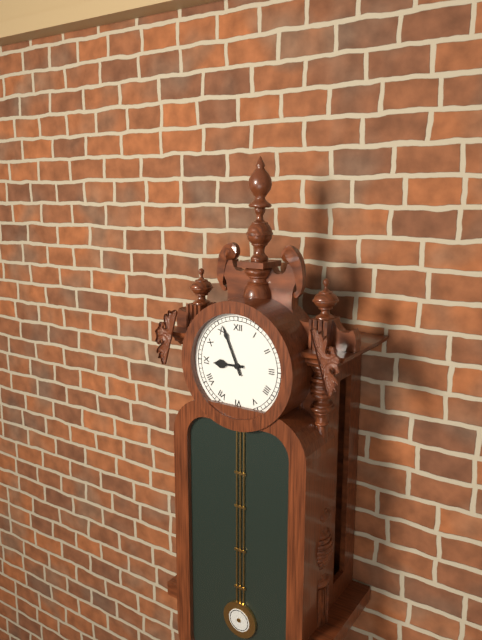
h=8 m=56
